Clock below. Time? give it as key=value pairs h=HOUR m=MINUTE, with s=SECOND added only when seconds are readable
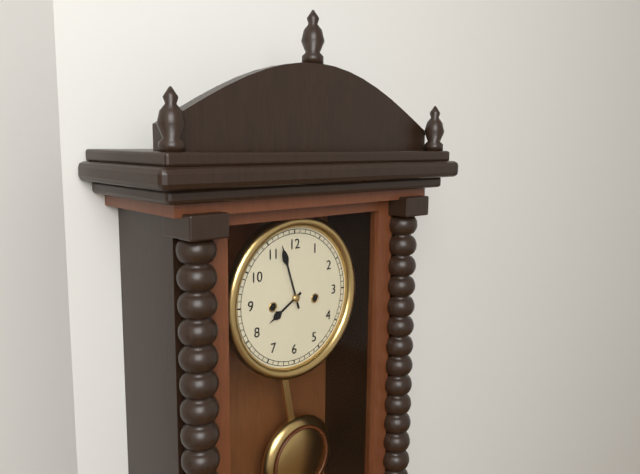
h=7 m=57
